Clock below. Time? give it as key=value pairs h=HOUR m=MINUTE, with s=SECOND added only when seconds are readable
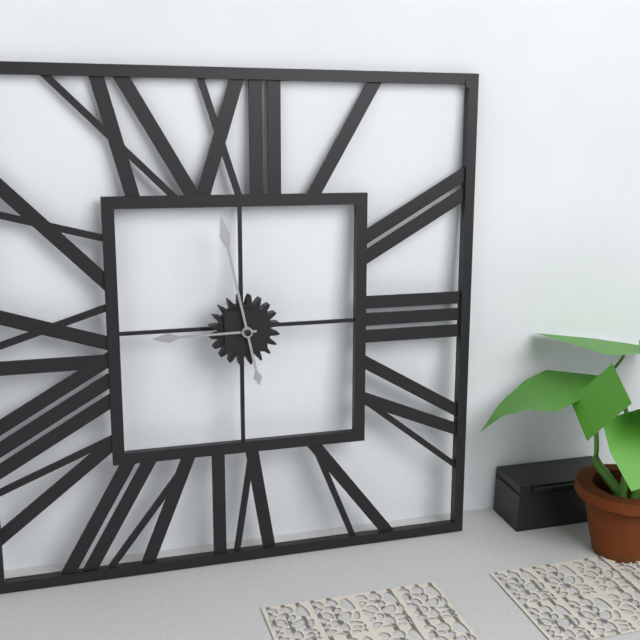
h=8 m=58
